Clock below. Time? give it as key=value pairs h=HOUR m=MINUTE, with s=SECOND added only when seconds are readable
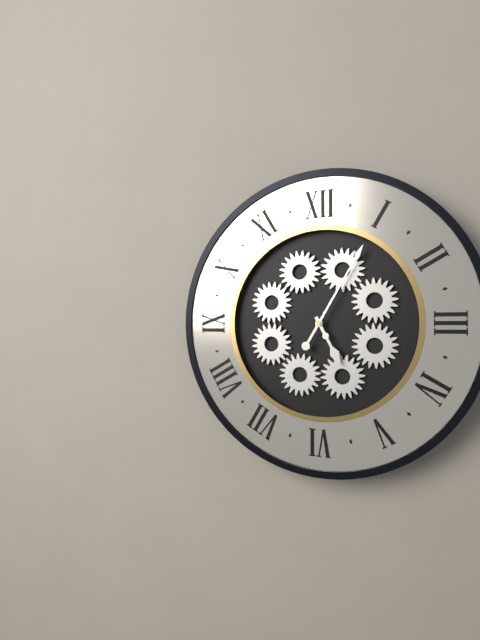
h=5 m=5
